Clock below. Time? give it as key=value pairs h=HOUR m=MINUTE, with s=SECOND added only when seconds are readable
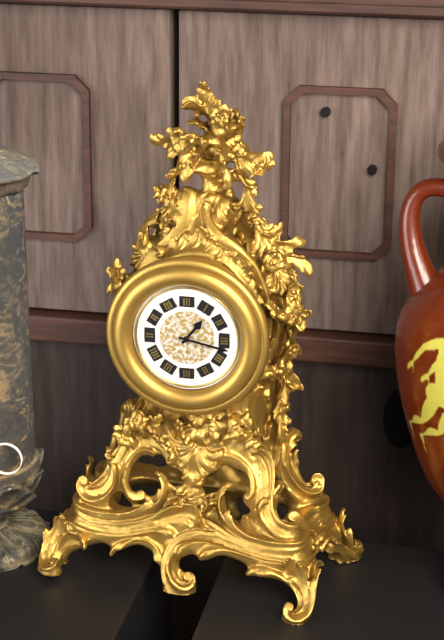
h=1 m=17
